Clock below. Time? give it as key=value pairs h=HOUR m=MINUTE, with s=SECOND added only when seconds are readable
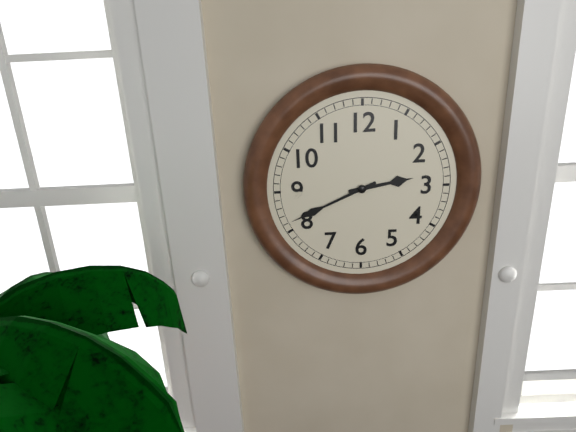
h=2 m=41
